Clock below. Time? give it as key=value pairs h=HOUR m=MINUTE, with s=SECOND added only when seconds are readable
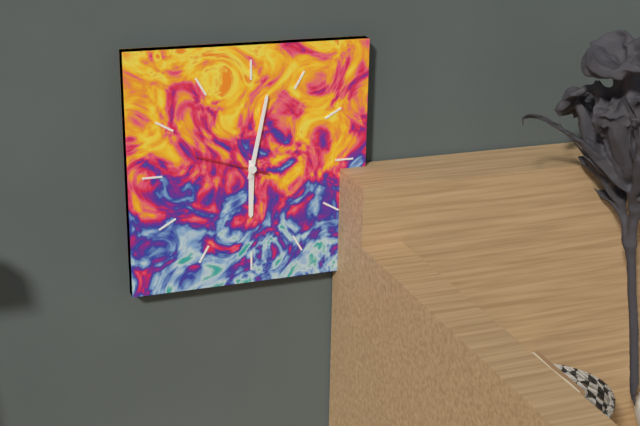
h=6 m=2 s=48
